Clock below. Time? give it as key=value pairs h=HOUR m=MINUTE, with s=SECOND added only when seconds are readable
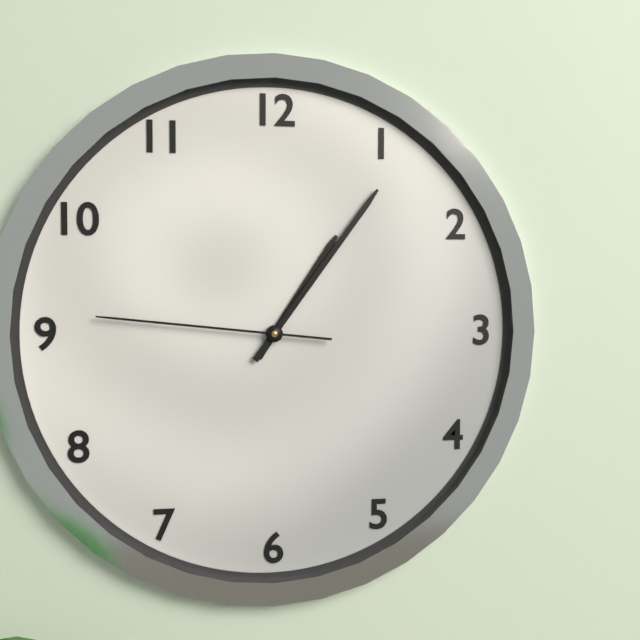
h=1 m=6 s=46
